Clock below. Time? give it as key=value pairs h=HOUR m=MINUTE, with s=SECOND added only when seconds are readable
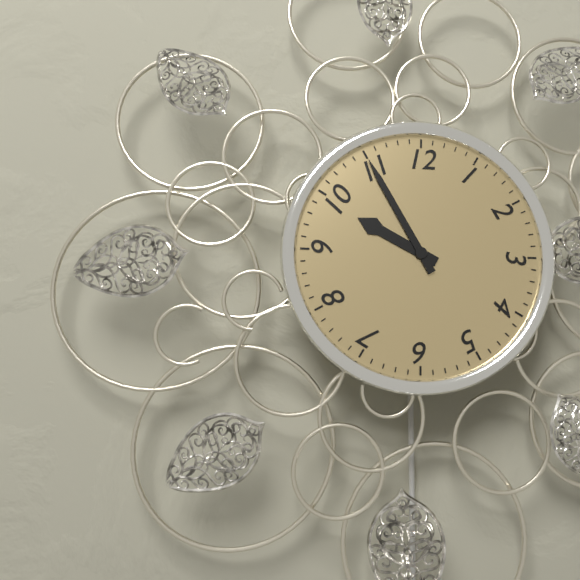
h=9 m=55
